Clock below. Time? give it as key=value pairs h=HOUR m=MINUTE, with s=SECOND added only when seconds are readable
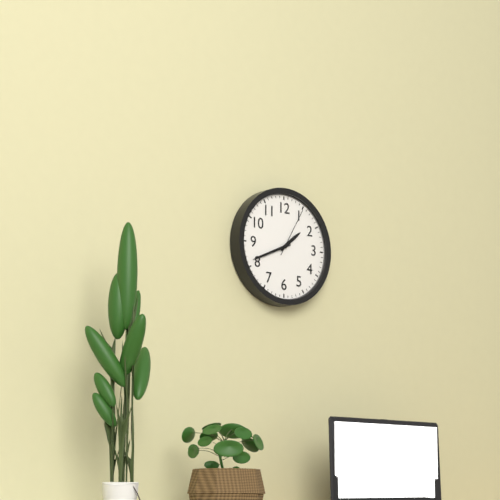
h=1 m=41 s=5
